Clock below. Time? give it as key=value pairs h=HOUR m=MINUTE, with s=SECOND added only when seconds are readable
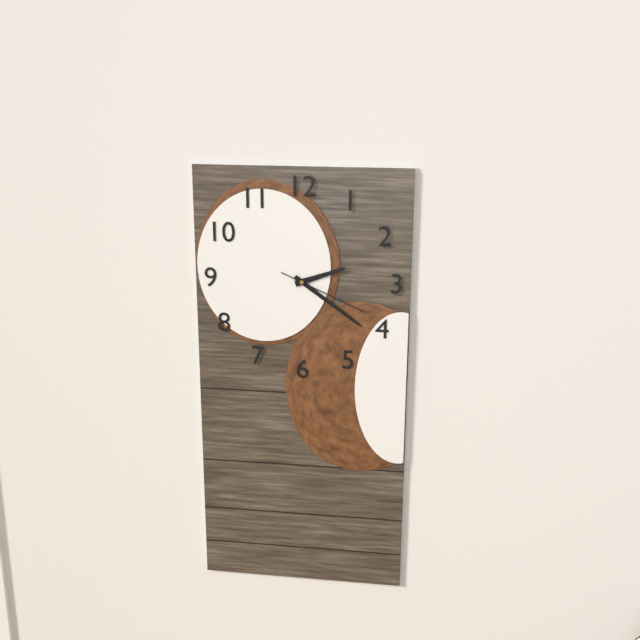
h=2 m=21 s=19
